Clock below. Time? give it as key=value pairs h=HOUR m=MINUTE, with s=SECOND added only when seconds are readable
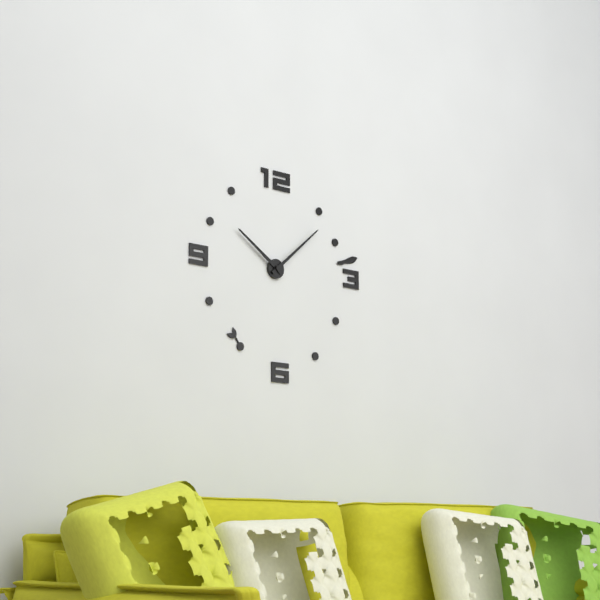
h=10 m=8
